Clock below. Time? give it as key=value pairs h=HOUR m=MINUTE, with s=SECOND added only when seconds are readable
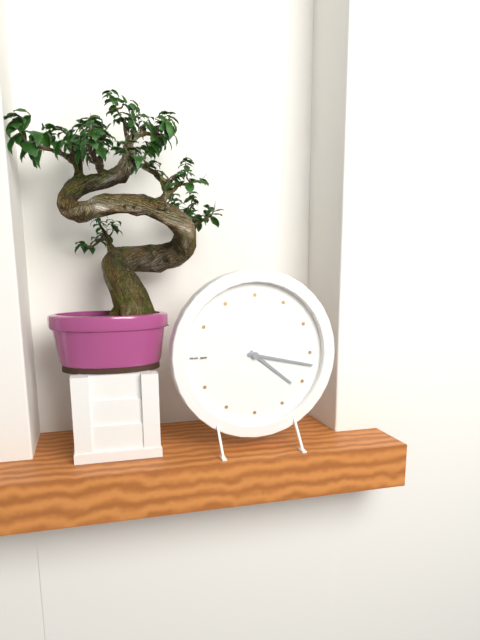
h=4 m=17
